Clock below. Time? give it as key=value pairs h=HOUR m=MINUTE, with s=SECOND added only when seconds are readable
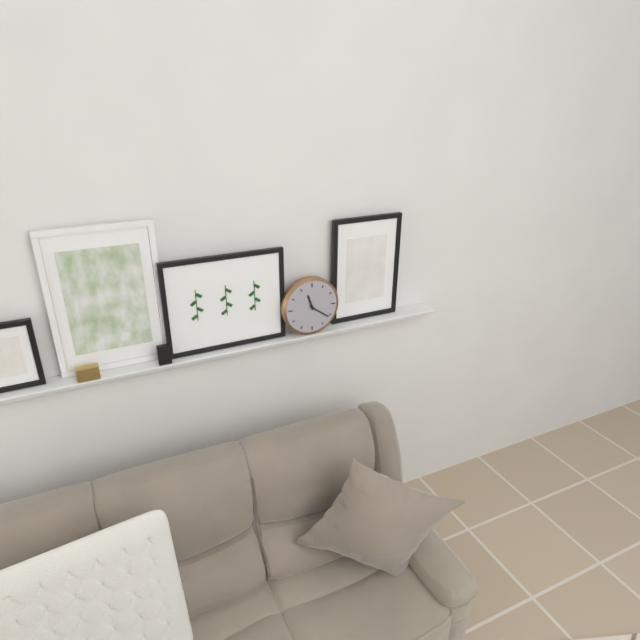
h=11 m=21
